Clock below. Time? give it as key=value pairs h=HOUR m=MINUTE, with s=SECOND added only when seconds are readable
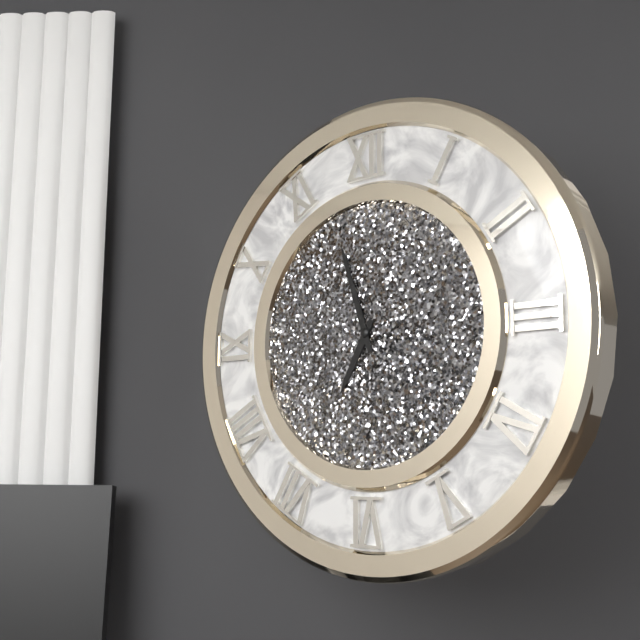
h=6 m=57
